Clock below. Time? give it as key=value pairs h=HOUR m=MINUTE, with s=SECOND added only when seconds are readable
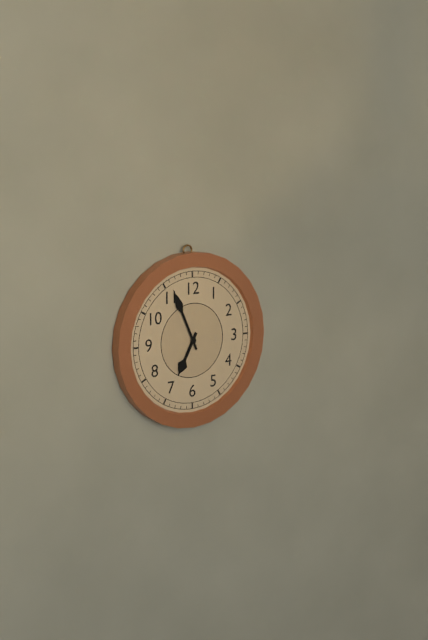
h=6 m=56
